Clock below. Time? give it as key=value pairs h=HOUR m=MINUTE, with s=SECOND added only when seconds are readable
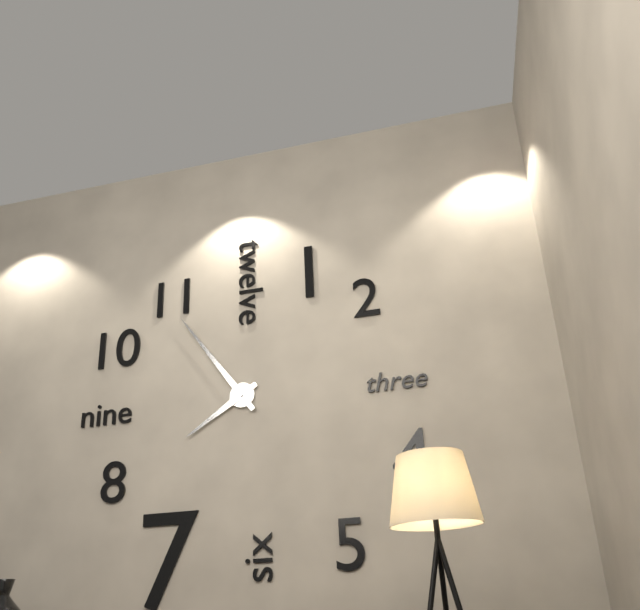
h=7 m=54
